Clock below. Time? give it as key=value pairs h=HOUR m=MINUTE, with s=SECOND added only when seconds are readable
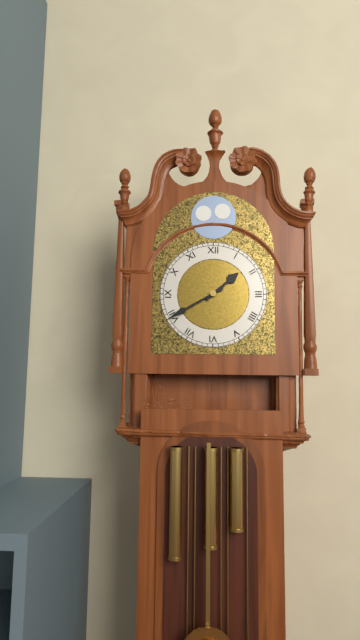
h=1 m=40
